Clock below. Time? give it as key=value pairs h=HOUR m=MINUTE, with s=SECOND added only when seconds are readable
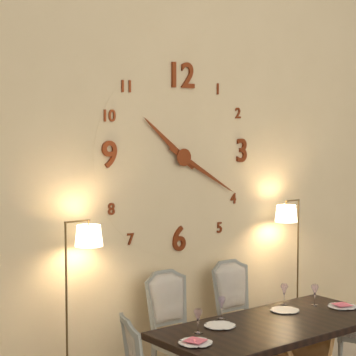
h=10 m=20
